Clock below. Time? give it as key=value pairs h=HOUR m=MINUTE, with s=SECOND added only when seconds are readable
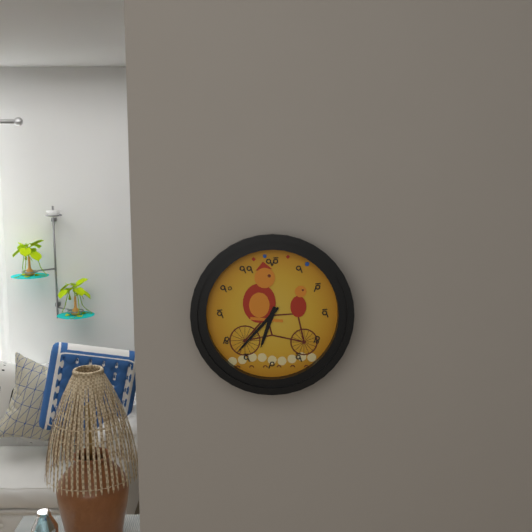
h=6 m=37
